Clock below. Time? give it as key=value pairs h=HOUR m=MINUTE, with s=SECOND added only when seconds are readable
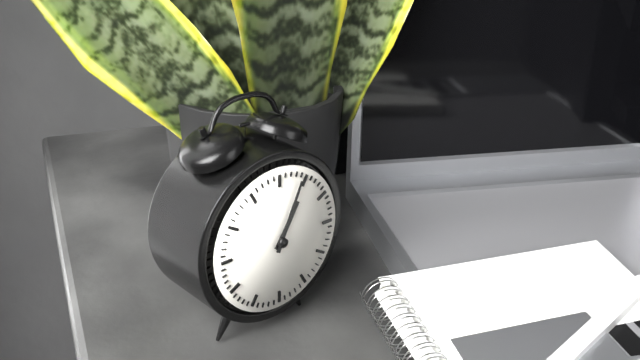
h=1 m=4
